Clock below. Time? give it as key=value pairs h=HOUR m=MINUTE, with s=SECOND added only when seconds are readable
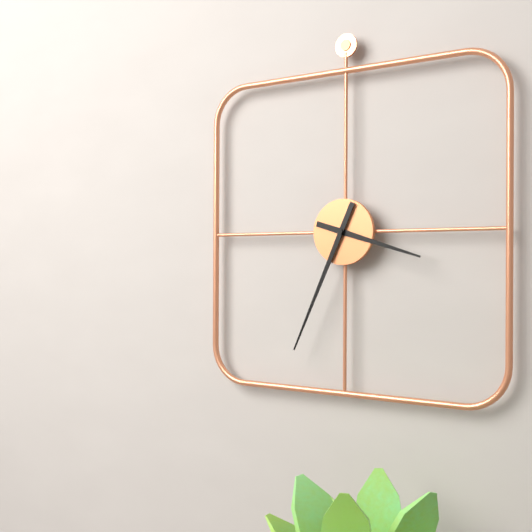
h=3 m=34
